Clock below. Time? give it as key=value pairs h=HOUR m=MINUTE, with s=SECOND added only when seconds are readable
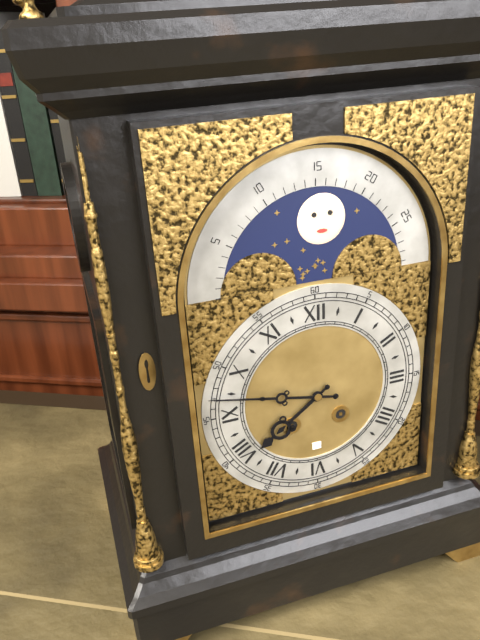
h=7 m=47
